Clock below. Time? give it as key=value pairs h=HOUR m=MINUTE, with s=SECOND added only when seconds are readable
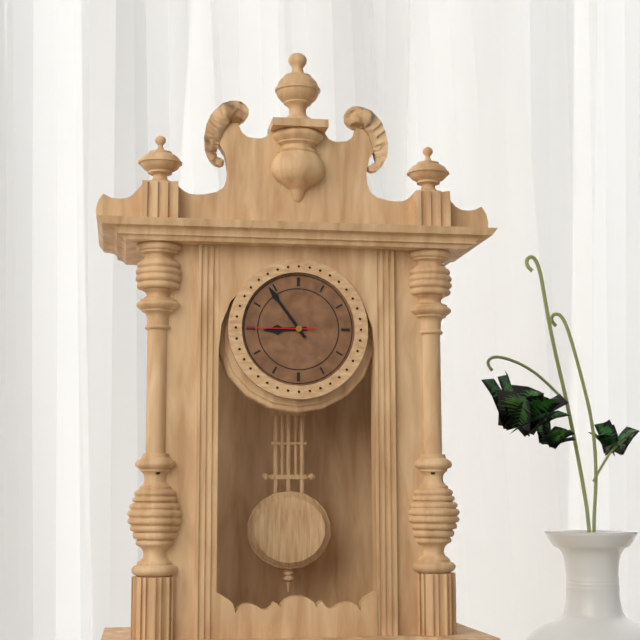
h=8 m=54 s=45
